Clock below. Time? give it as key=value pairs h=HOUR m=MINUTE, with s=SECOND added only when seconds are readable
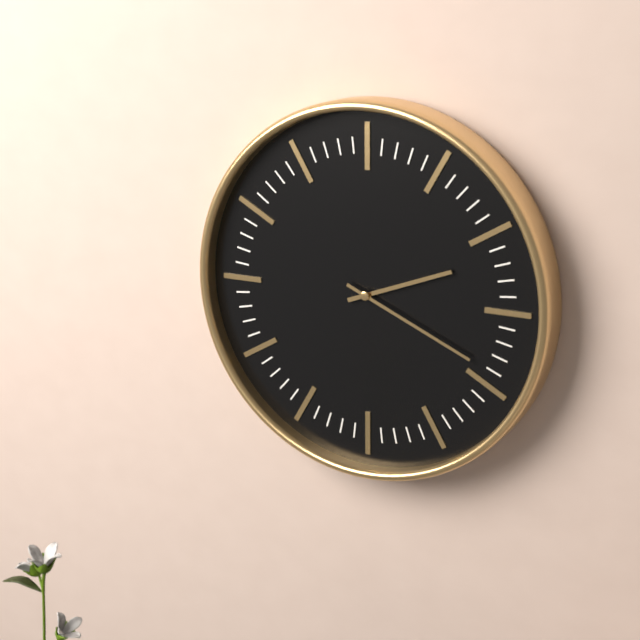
h=2 m=19
